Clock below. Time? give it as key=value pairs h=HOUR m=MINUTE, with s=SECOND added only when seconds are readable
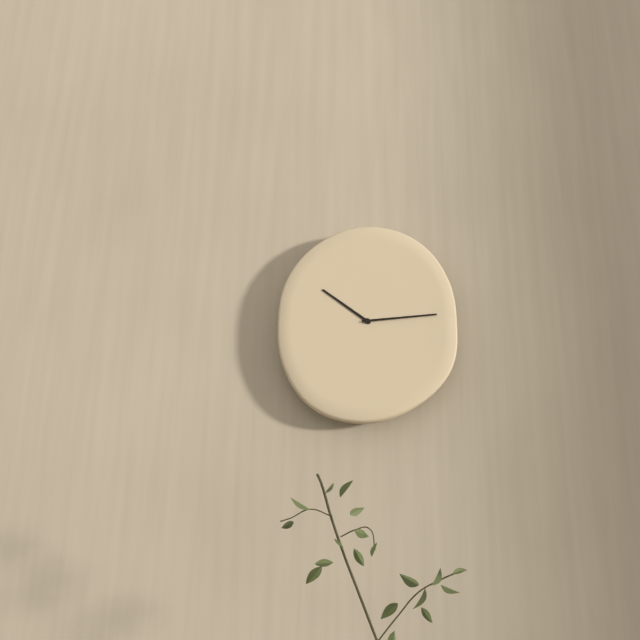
h=10 m=14
